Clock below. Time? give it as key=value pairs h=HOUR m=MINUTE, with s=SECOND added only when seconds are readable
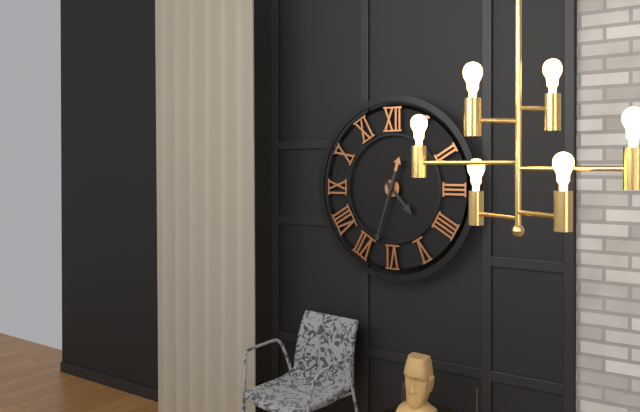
h=4 m=33
